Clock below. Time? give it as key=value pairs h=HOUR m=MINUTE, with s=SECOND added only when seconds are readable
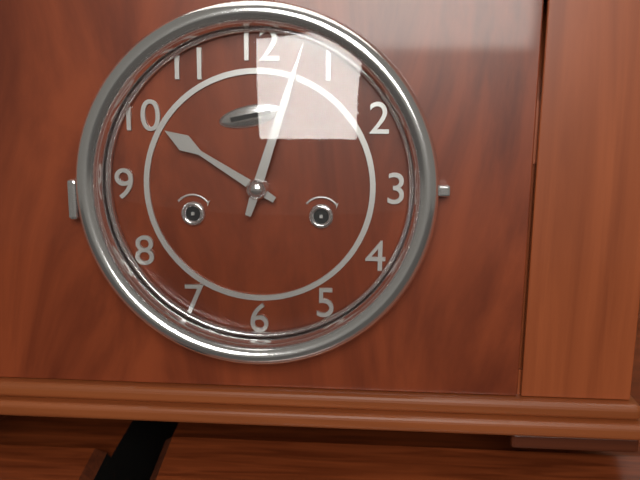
h=10 m=3
